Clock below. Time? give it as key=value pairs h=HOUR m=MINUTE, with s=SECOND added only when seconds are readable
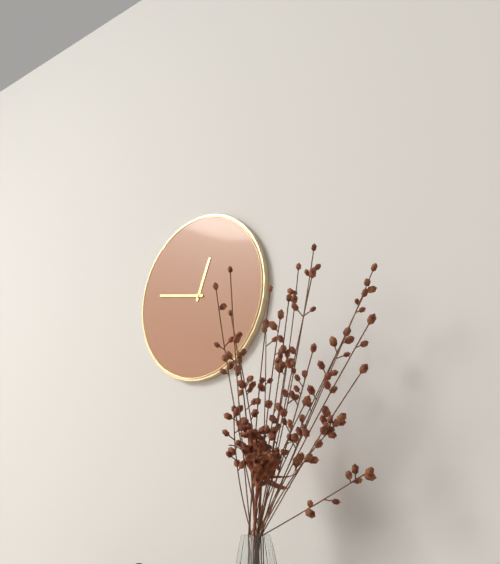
h=12 m=47
